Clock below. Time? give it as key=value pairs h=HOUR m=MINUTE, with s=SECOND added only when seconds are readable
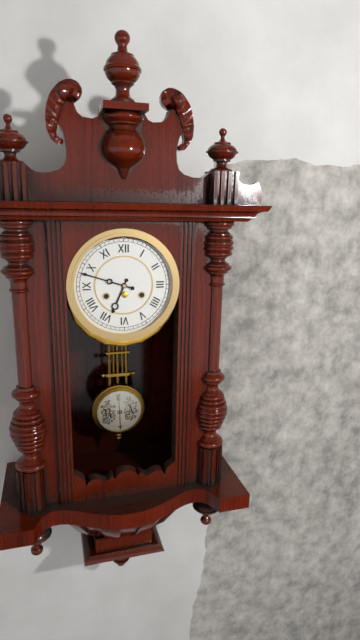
h=6 m=48
